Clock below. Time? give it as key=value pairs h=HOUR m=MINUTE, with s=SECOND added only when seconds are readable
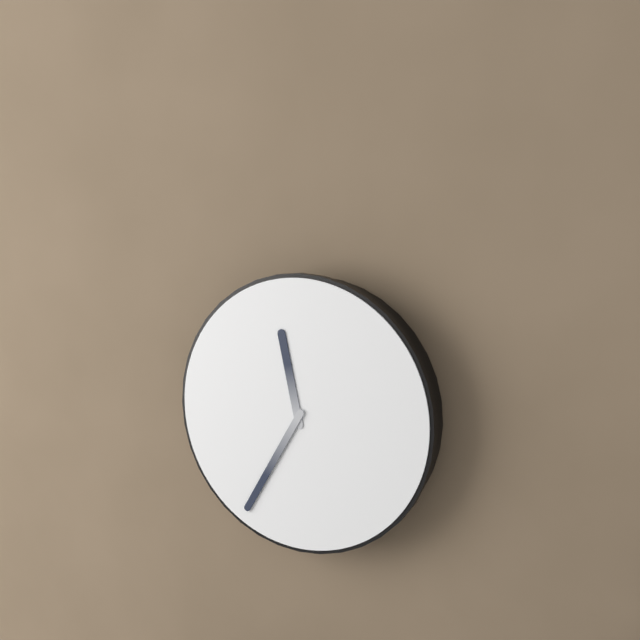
h=11 m=35
